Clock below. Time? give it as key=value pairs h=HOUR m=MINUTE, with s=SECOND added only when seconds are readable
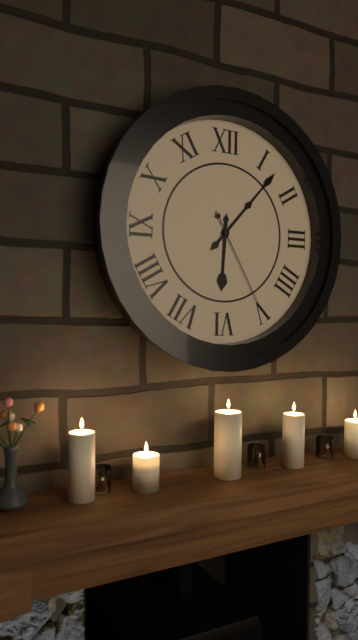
h=6 m=7 s=25
